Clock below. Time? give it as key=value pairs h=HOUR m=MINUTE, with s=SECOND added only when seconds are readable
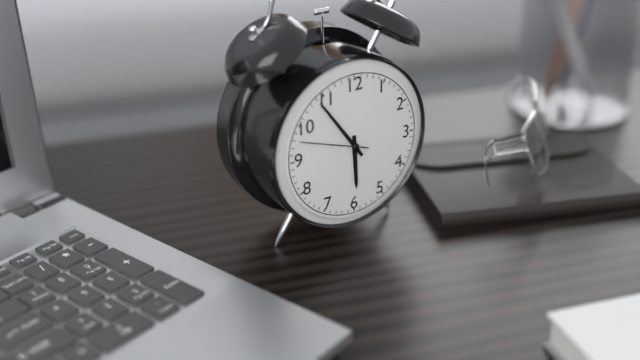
h=5 m=54 s=48
